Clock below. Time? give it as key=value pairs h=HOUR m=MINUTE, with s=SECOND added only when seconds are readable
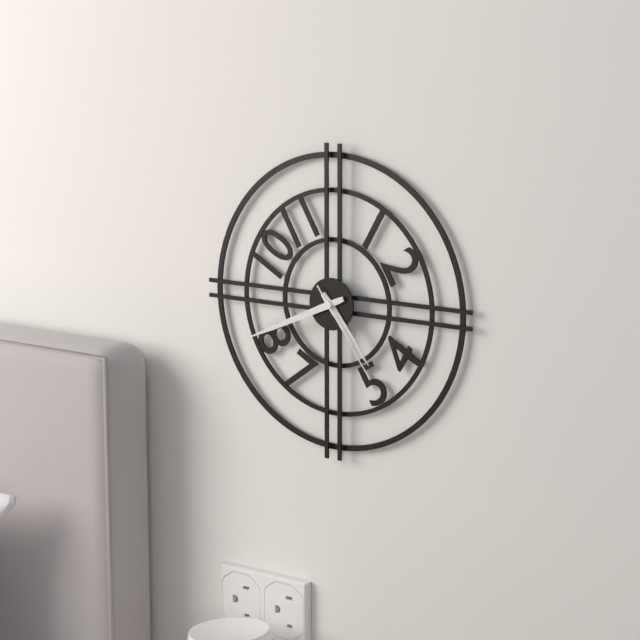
h=4 m=41 s=24
